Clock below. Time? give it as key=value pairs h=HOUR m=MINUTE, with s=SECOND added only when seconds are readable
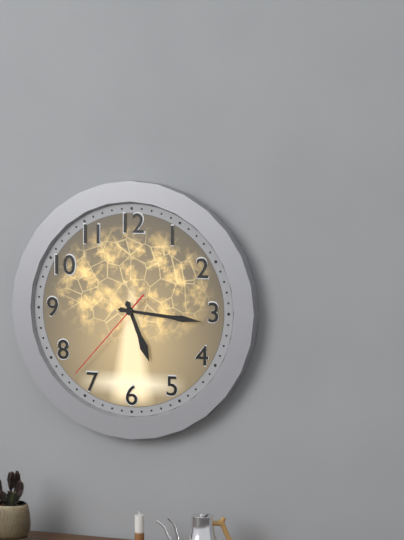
h=5 m=16 s=37
